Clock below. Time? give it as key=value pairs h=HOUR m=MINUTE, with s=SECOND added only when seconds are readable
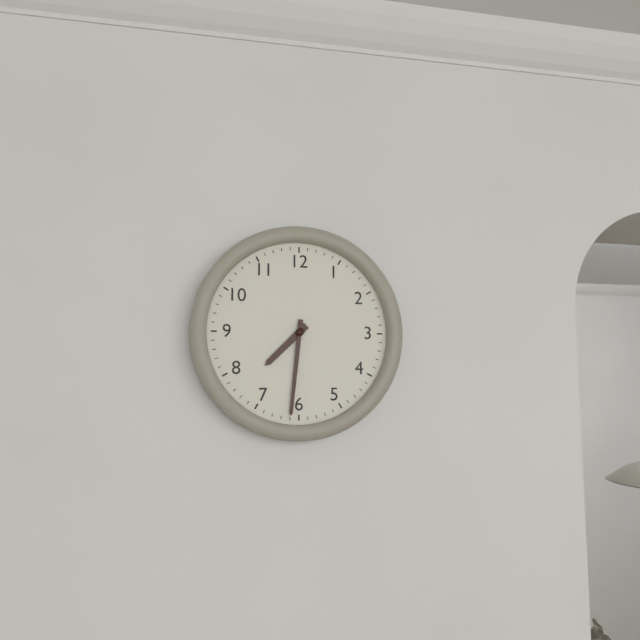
h=7 m=31
